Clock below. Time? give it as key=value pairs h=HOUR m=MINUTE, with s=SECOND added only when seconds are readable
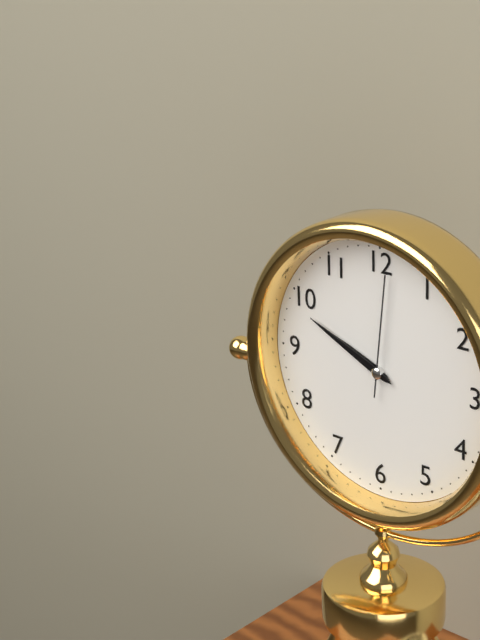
h=9 m=49 s=1
